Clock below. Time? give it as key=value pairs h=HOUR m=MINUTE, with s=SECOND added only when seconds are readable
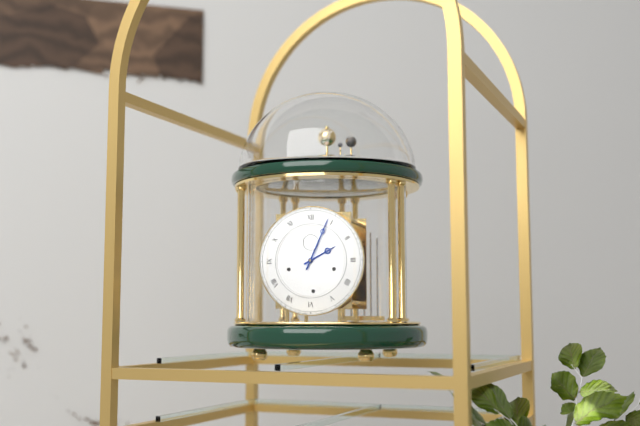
h=2 m=4
